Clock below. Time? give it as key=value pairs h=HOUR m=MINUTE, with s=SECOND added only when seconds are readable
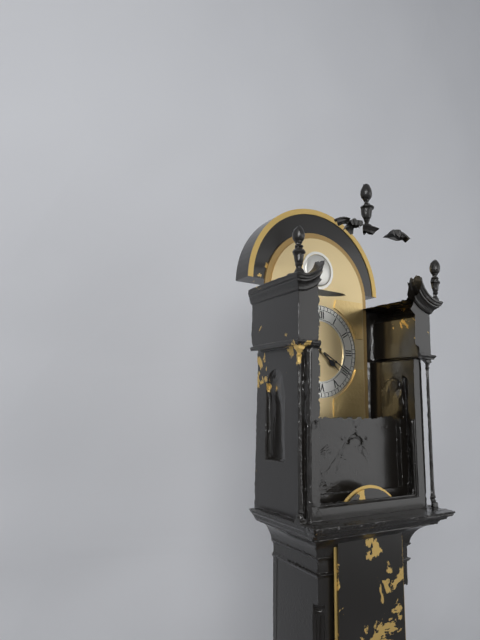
h=4 m=20
